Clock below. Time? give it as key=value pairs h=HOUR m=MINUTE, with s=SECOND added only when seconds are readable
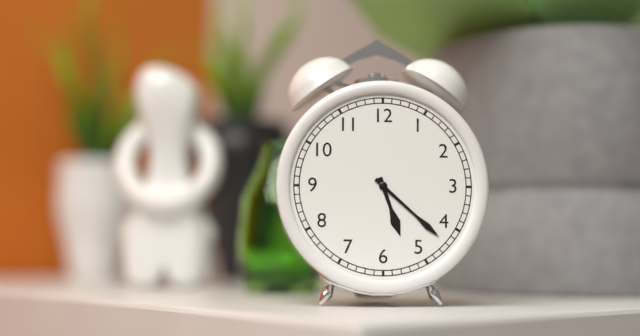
h=5 m=22
